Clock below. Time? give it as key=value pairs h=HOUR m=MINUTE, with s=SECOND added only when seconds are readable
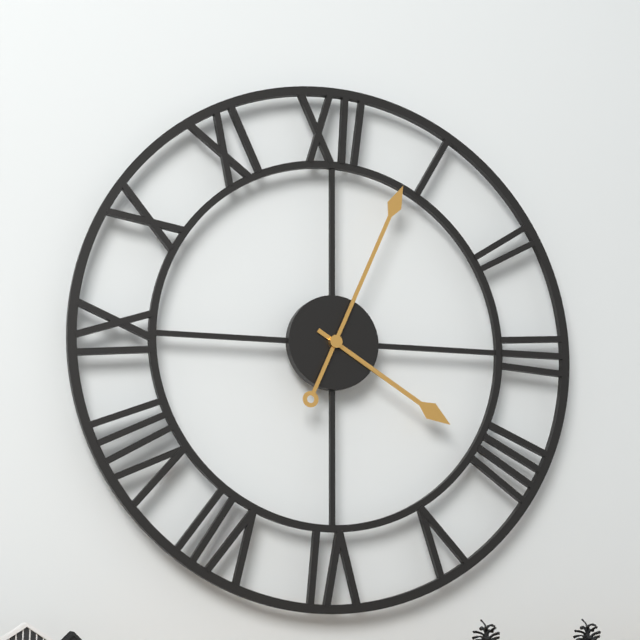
h=4 m=4
